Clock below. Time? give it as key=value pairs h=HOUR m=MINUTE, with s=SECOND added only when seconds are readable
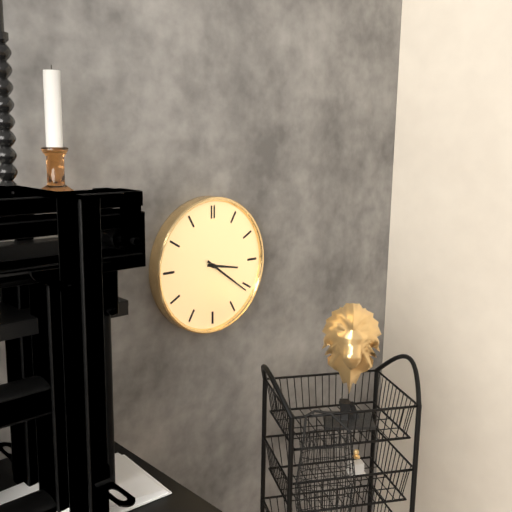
h=3 m=21
